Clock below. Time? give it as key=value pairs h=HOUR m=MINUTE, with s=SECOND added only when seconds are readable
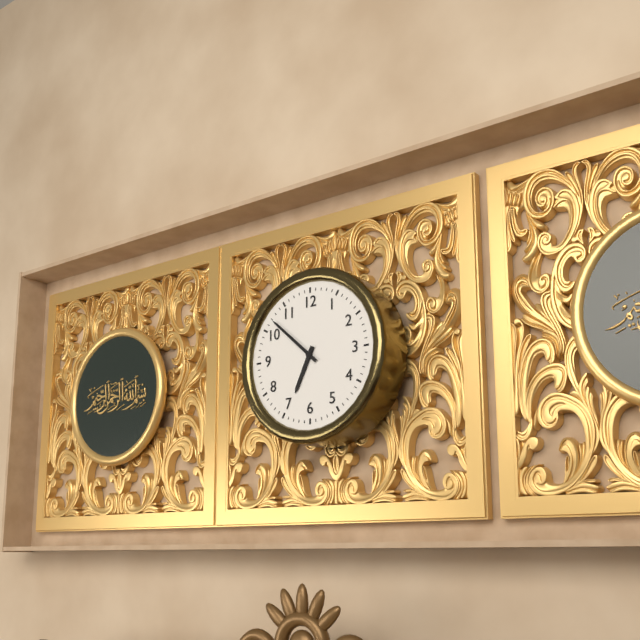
h=6 m=52
